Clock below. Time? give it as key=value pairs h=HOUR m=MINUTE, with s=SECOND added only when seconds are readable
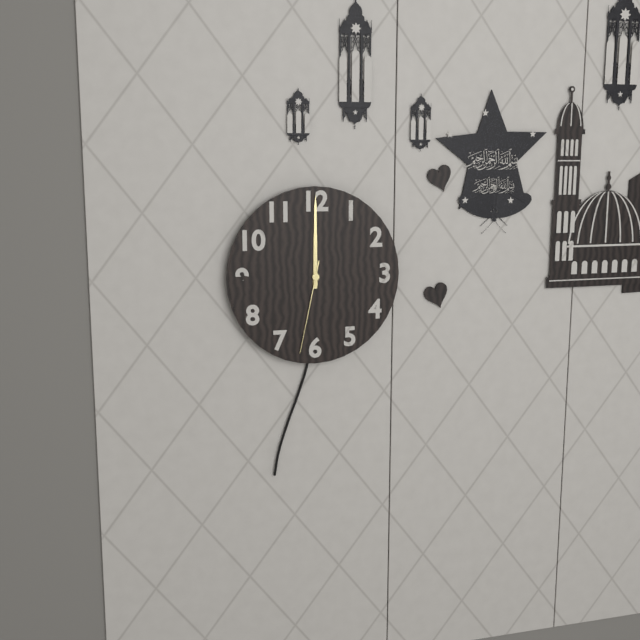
h=12 m=0 s=32
